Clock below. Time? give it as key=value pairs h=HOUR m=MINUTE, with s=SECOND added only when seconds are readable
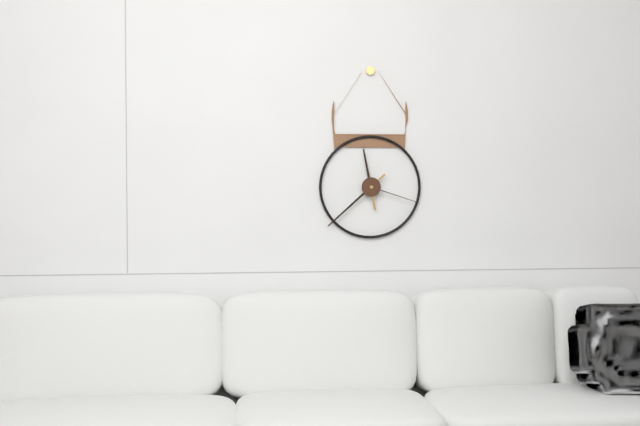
h=11 m=38 s=18
